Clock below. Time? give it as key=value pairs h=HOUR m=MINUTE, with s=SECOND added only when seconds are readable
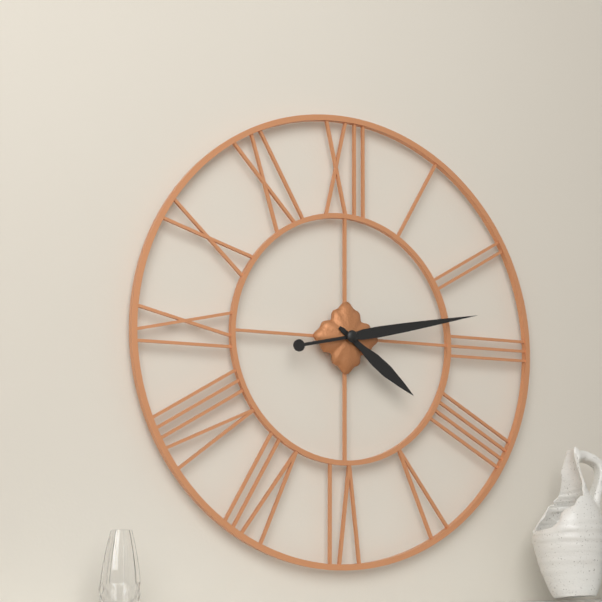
h=4 m=13
